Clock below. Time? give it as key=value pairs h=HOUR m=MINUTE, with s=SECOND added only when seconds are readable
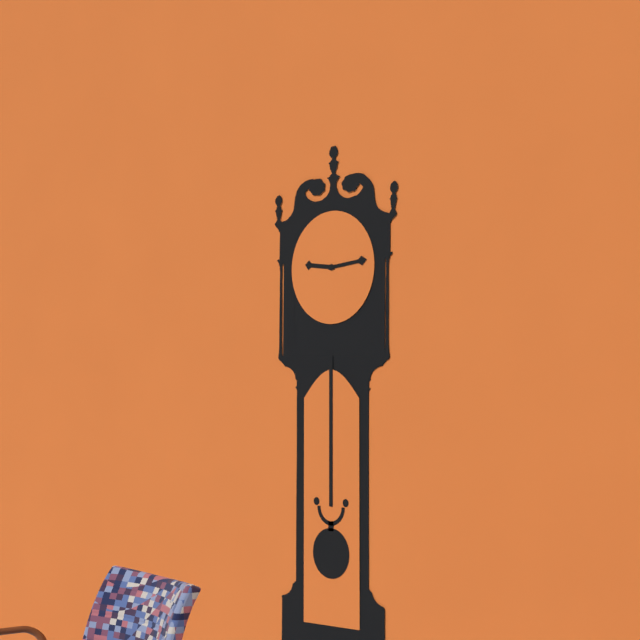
h=9 m=14
